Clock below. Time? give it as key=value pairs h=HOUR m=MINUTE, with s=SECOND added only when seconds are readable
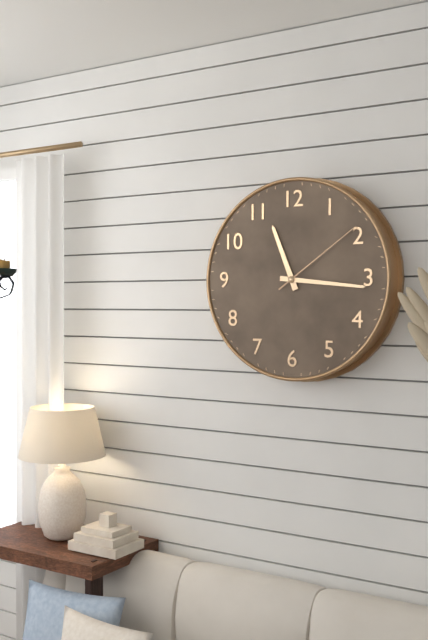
h=11 m=16 s=9
